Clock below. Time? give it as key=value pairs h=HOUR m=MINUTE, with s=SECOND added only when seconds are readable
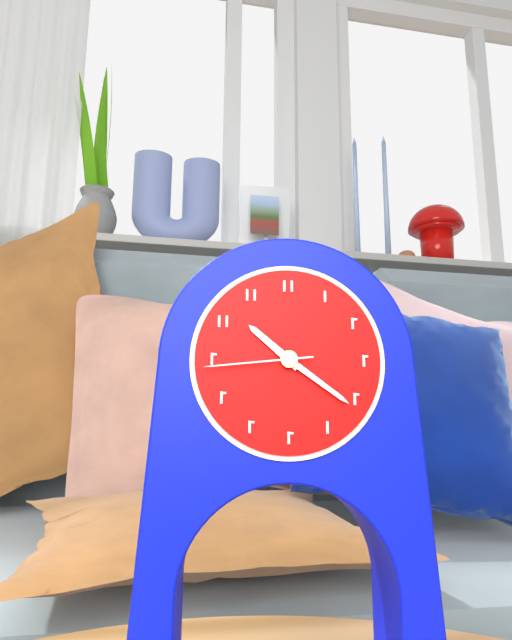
h=10 m=21 s=44
